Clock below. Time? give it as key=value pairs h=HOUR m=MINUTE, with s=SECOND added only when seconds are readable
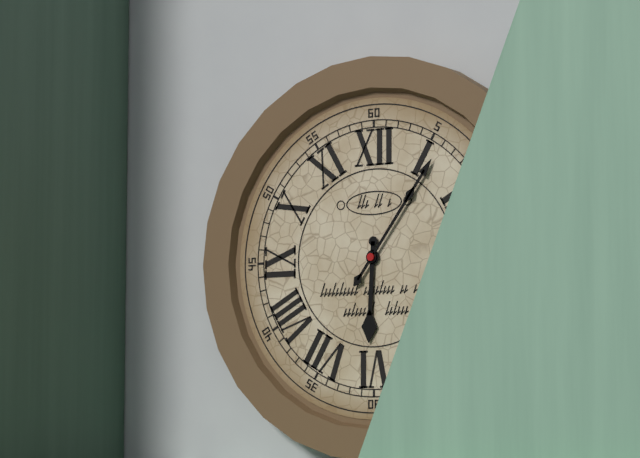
h=6 m=6
